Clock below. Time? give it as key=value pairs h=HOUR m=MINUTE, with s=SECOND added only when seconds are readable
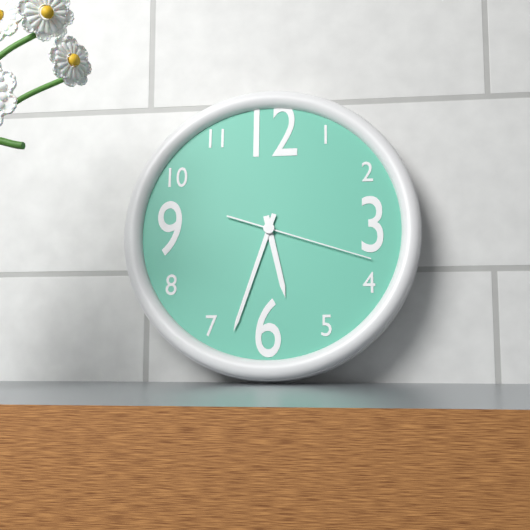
h=5 m=33 s=18
